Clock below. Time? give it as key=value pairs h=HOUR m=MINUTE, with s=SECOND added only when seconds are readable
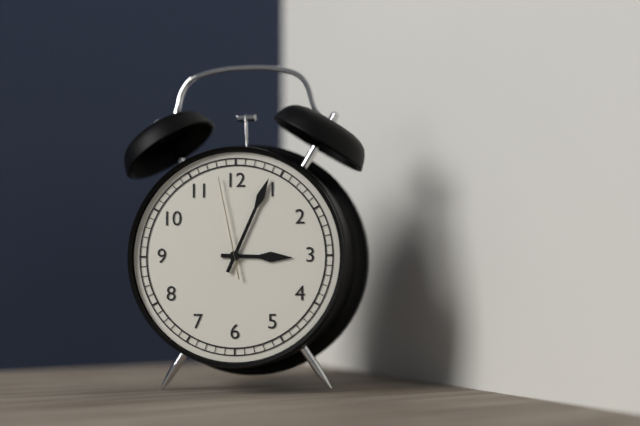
h=3 m=4 s=58
